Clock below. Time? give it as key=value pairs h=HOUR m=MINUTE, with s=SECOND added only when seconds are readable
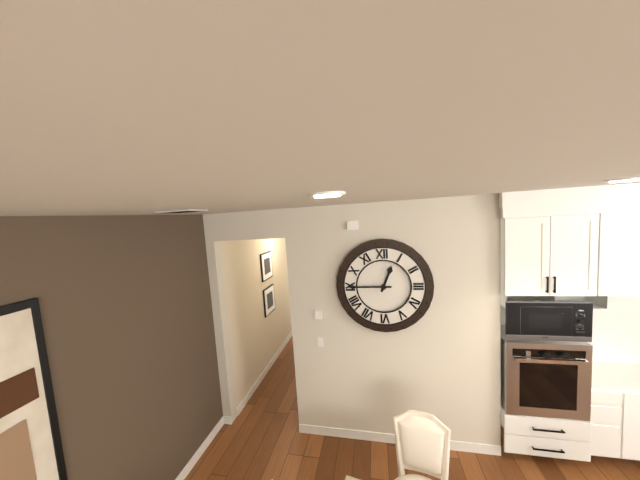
h=12 m=45
